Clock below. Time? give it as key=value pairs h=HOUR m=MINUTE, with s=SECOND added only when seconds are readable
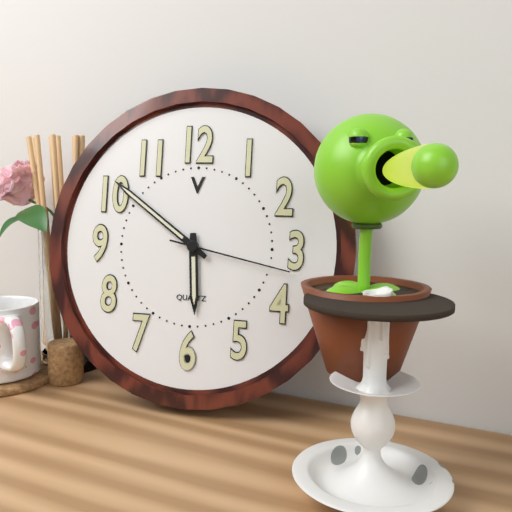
h=5 m=51 s=17
